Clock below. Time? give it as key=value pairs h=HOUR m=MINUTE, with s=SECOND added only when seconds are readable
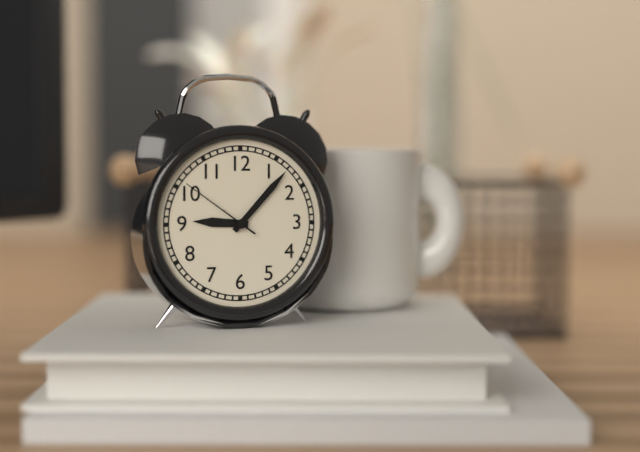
h=9 m=7 s=51
